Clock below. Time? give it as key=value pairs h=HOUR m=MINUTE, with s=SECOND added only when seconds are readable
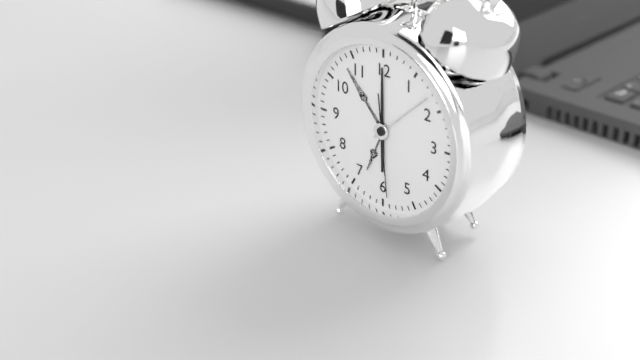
h=6 m=0 s=29
